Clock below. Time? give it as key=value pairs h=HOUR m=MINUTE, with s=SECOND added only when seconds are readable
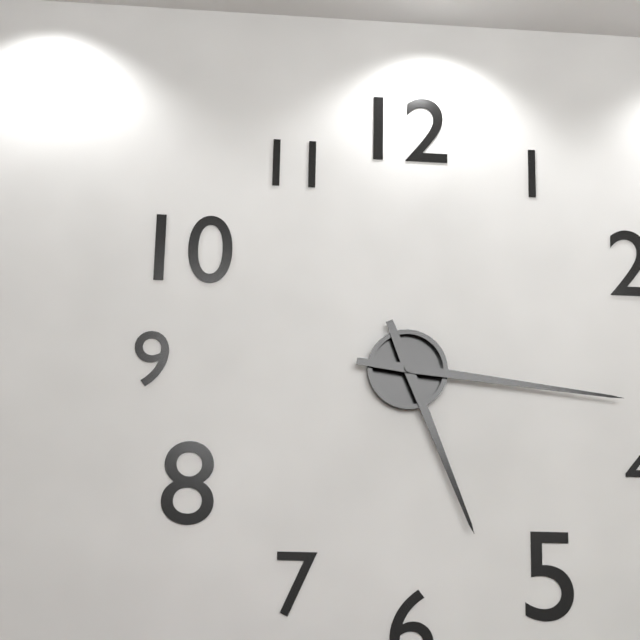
h=5 m=16
